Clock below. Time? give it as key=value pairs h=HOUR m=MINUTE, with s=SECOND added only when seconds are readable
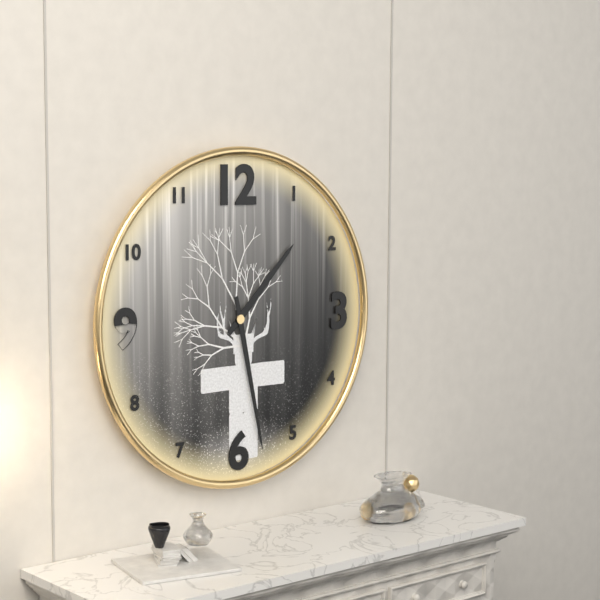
h=1 m=28
